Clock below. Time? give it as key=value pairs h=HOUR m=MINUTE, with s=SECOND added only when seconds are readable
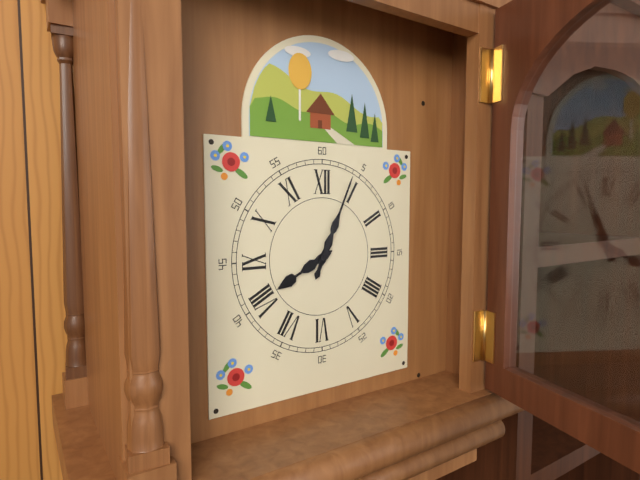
h=8 m=4
